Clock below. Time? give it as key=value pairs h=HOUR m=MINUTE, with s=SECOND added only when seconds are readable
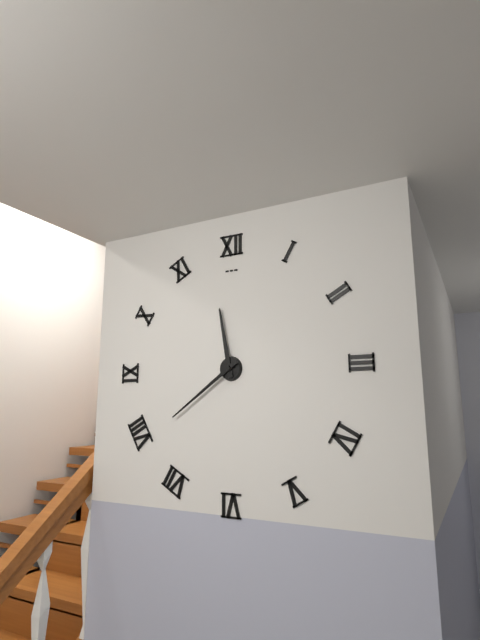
h=11 m=39
